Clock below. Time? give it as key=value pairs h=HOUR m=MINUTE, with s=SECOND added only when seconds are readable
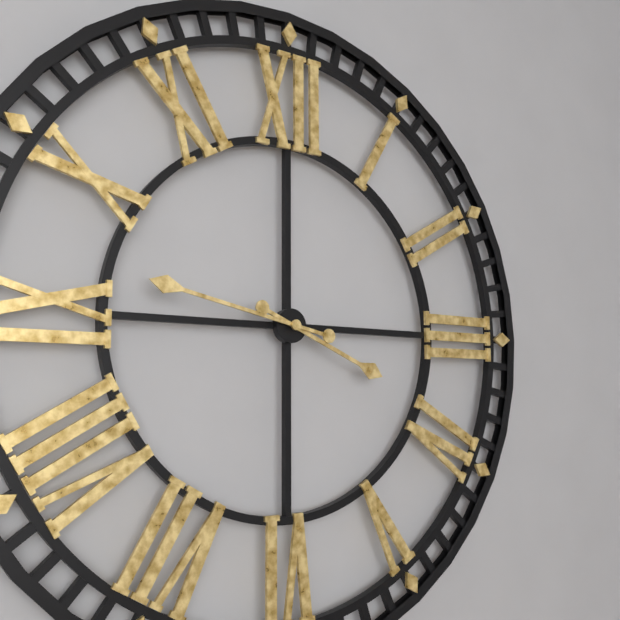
h=3 m=47
